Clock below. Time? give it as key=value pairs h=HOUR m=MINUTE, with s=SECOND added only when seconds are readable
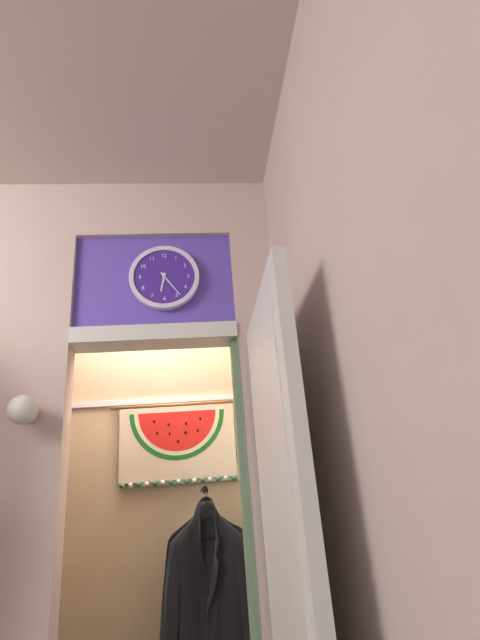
h=6 m=24
